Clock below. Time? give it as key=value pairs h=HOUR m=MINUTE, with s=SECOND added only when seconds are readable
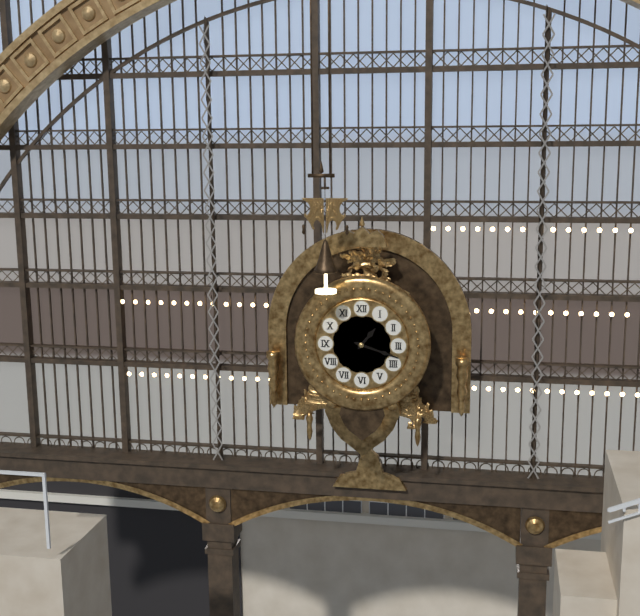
h=1 m=18
